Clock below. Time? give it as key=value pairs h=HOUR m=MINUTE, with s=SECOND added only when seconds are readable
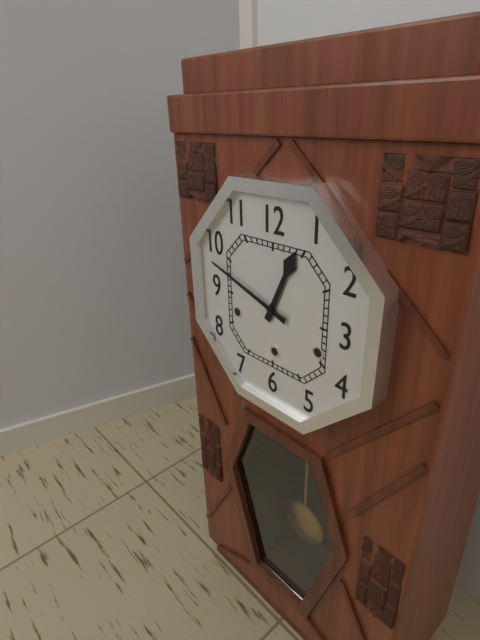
h=12 m=48
